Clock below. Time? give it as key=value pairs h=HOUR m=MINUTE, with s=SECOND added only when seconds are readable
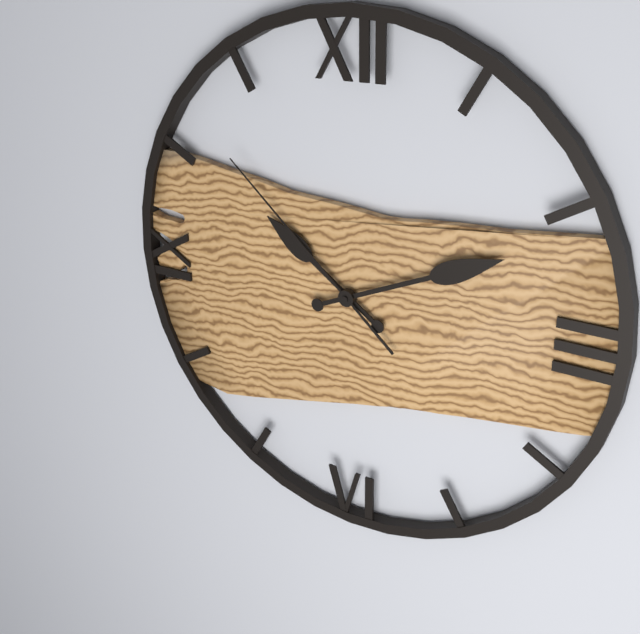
h=10 m=11 s=52
